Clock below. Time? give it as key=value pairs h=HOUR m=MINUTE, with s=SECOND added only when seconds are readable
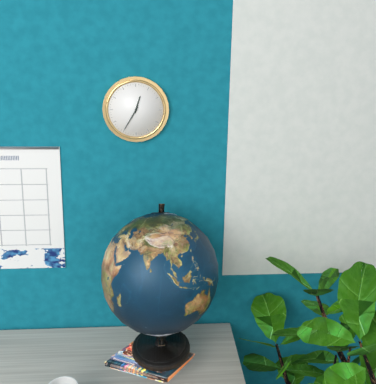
h=12 m=35
